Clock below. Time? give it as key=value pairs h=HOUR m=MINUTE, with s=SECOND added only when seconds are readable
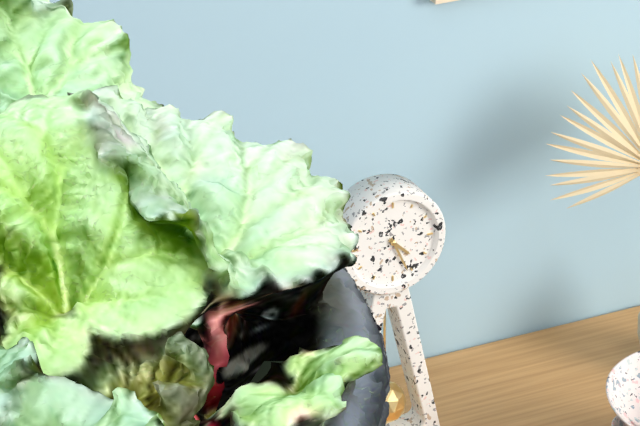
h=4 m=26
